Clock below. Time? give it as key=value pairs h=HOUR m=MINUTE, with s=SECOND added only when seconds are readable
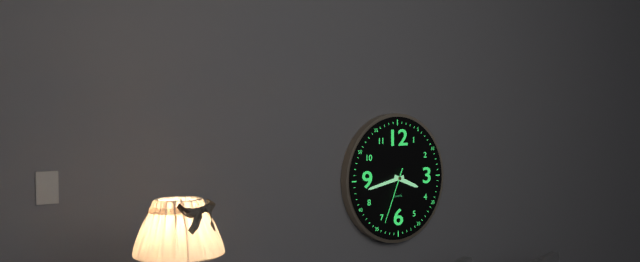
h=3 m=43 s=34
